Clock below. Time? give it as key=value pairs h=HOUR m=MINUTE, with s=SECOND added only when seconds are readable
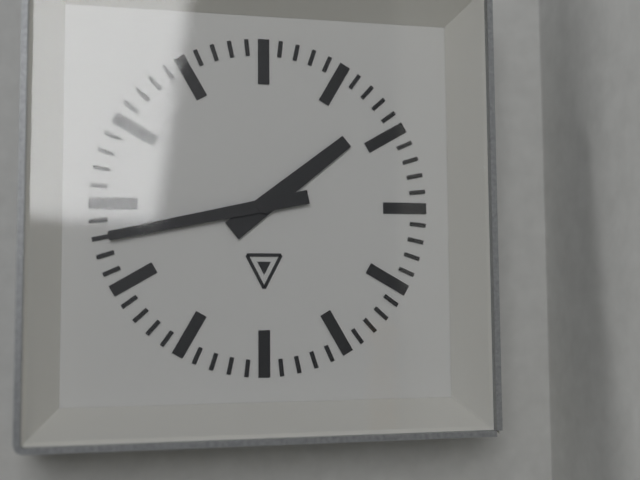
h=1 m=43
